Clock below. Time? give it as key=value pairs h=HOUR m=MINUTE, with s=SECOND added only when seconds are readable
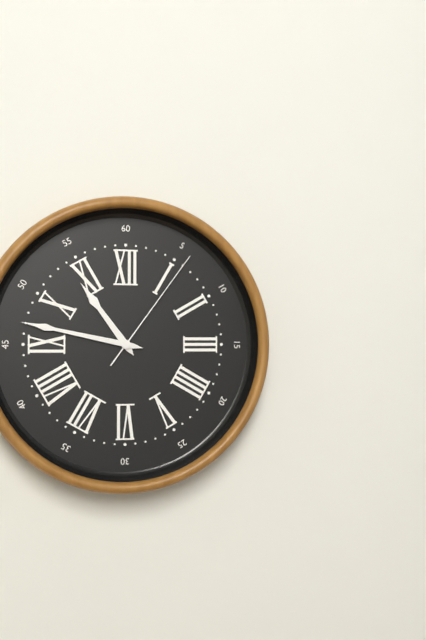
h=10 m=47 s=6
